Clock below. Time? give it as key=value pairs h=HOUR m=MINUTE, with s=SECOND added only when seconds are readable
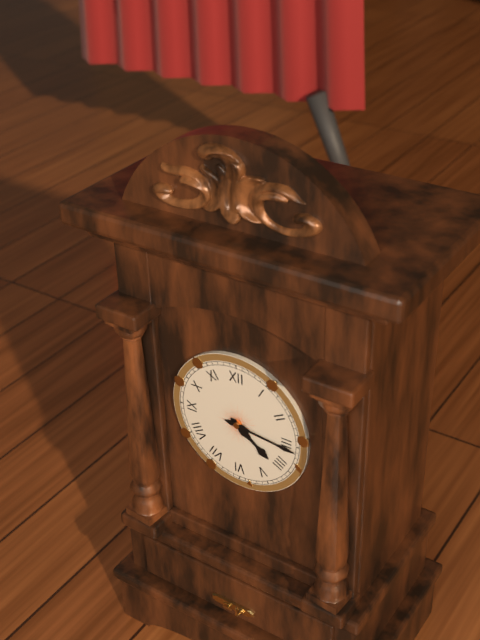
h=4 m=16
